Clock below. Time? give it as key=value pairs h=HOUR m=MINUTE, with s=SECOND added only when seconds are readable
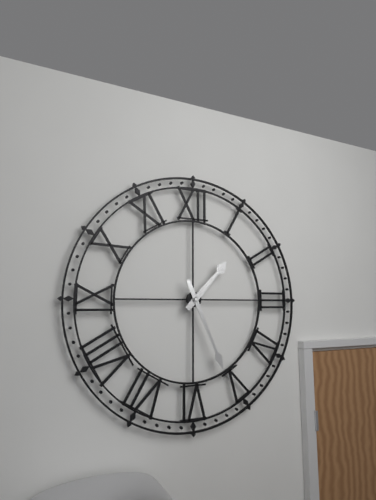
h=1 m=26
